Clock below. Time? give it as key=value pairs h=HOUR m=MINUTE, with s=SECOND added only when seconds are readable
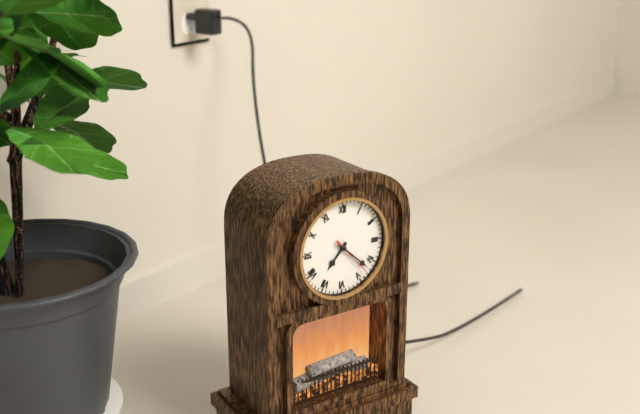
h=7 m=22 s=23
